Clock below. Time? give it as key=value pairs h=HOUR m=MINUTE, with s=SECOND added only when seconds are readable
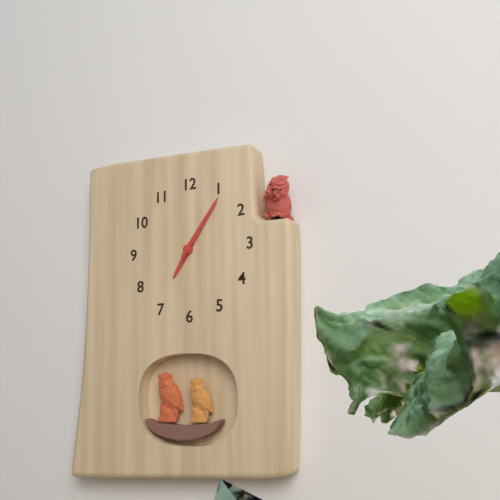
h=7 m=6
